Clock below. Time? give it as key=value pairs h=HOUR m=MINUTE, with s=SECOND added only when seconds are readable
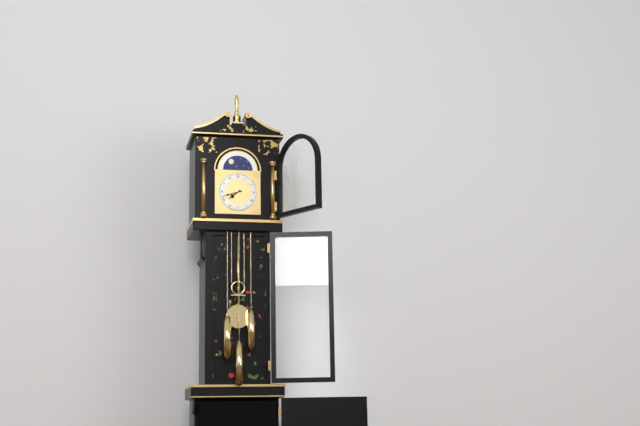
h=7 m=42
